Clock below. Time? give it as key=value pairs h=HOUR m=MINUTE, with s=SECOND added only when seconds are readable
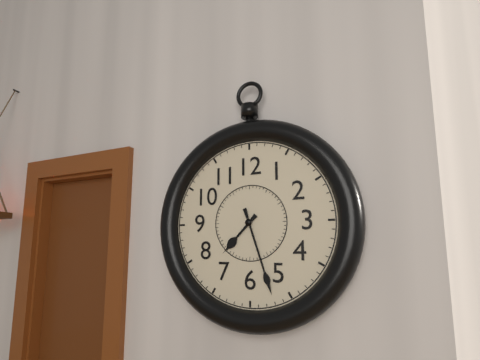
h=7 m=27
